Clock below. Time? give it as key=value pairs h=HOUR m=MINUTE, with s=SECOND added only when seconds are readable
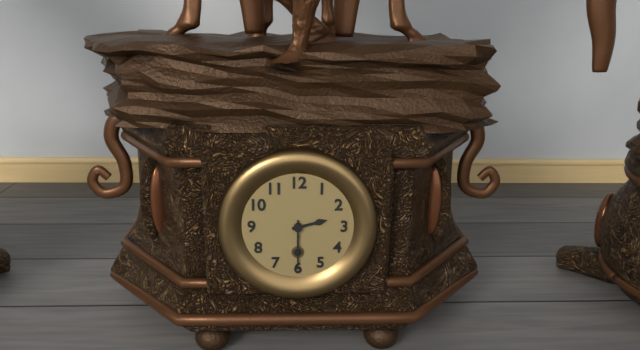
h=2 m=30
